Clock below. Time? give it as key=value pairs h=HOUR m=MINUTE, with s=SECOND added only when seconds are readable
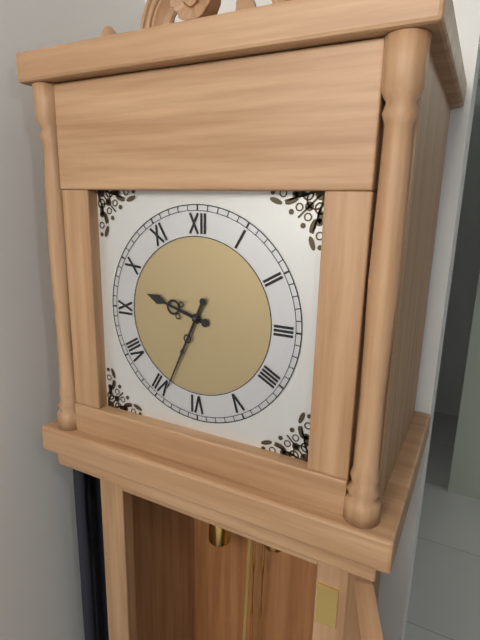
h=9 m=34
